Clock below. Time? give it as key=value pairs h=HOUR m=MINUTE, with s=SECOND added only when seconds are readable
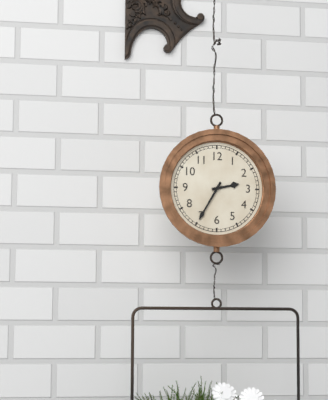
h=2 m=35
